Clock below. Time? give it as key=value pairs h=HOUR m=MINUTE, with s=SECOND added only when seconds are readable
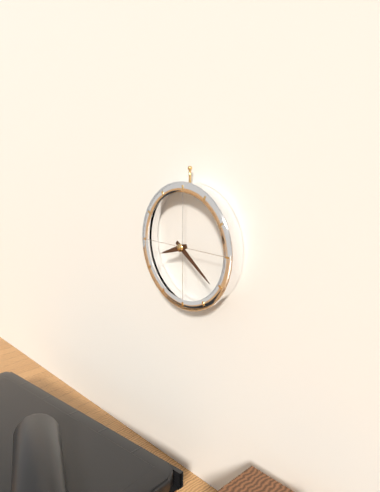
h=8 m=21
